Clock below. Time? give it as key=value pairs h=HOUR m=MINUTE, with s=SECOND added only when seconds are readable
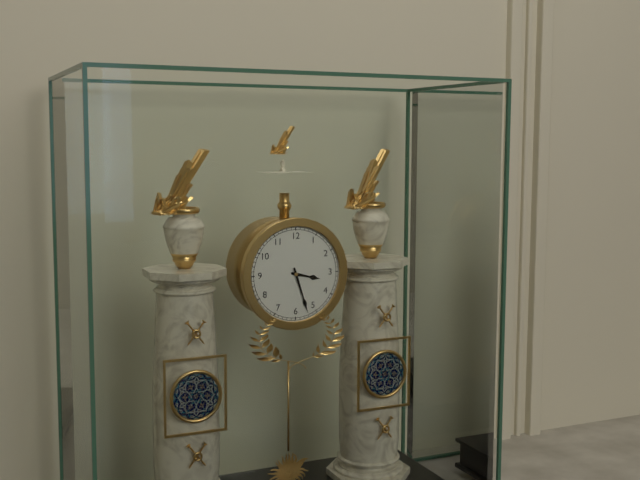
h=3 m=27
